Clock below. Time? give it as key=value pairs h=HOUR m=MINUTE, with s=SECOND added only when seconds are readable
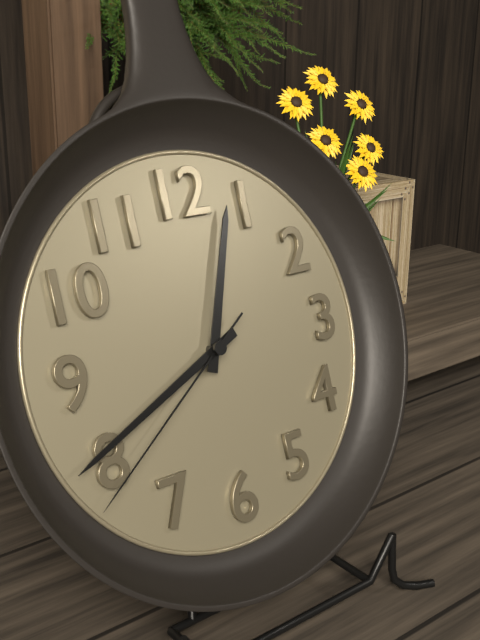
h=12 m=41 s=39
